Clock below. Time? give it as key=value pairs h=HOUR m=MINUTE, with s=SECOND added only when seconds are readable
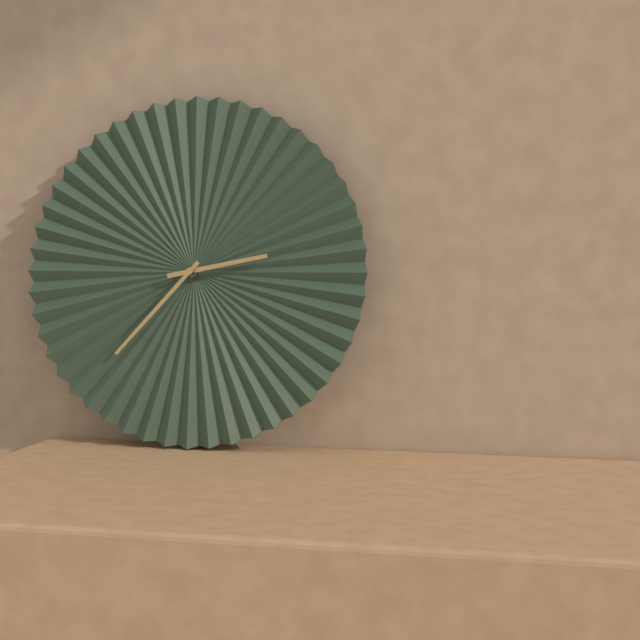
h=2 m=37
